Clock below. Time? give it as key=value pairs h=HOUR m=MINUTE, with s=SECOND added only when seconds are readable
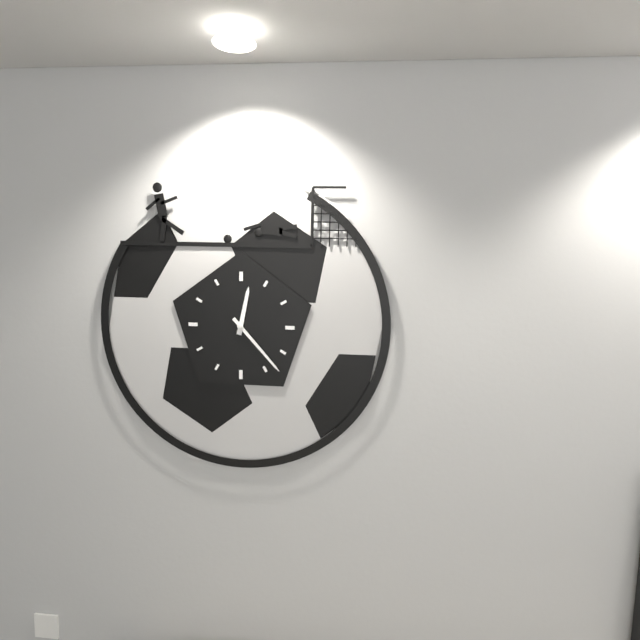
h=12 m=23
